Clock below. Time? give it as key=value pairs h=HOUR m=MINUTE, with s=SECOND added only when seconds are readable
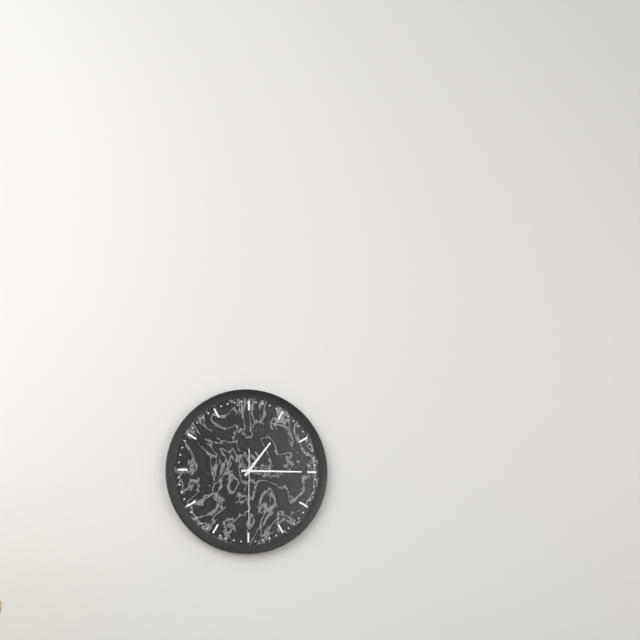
h=1 m=15 s=30
